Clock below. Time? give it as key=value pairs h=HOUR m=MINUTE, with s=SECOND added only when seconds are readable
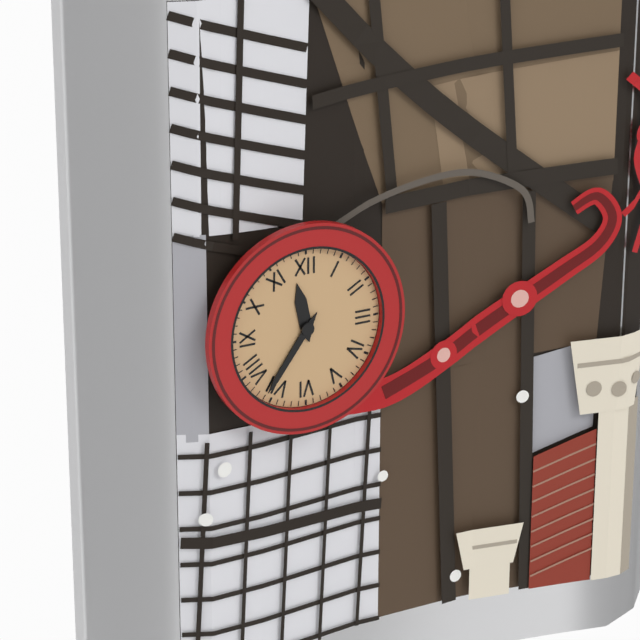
h=11 m=36
